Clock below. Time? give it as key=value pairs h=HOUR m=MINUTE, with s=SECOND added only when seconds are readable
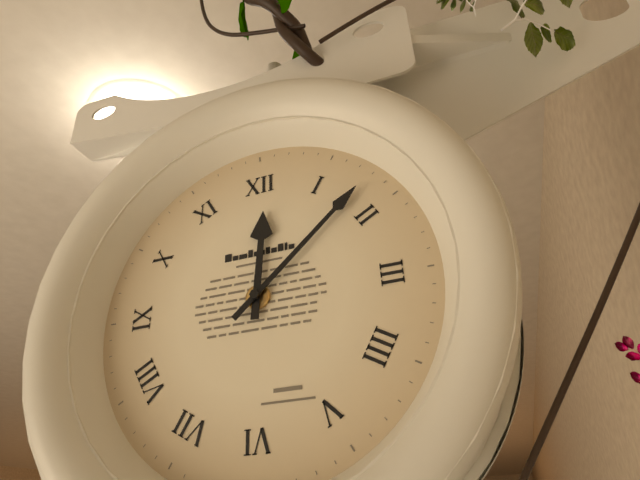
h=12 m=8
